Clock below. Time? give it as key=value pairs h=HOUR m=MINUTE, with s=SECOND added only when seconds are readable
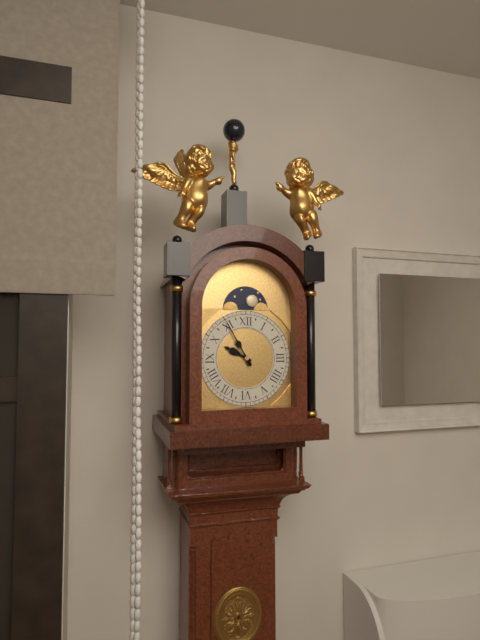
h=9 m=55
